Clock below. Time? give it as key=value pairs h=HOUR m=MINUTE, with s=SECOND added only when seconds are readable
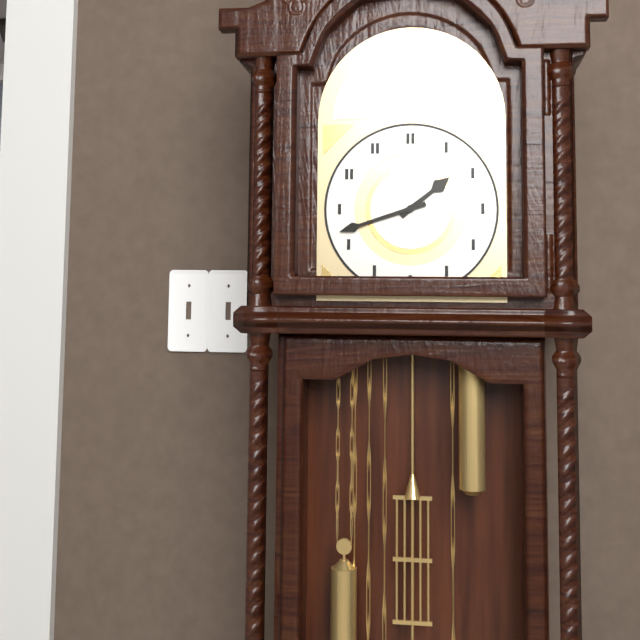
h=1 m=42
